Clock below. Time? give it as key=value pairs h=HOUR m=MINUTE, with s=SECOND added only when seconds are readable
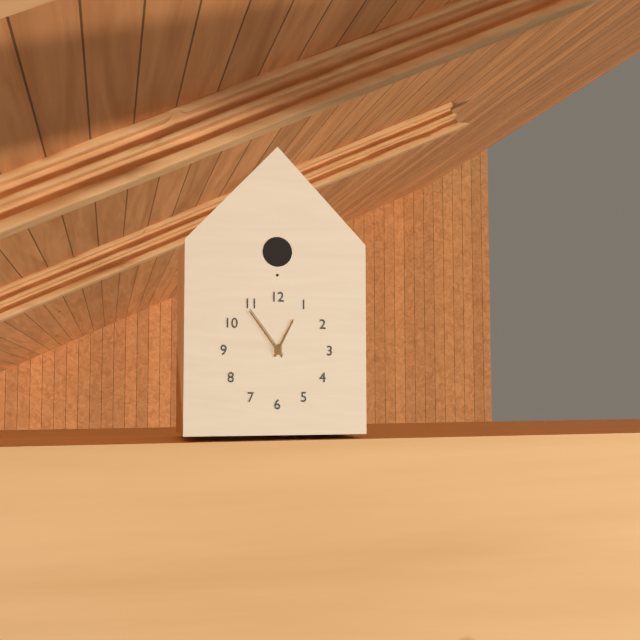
h=12 m=54
